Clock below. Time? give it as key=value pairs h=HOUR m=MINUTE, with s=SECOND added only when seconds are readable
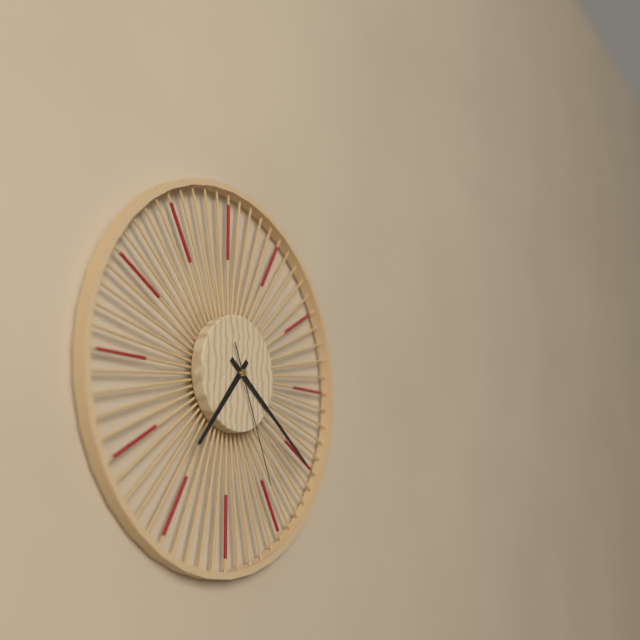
h=7 m=21 s=26
